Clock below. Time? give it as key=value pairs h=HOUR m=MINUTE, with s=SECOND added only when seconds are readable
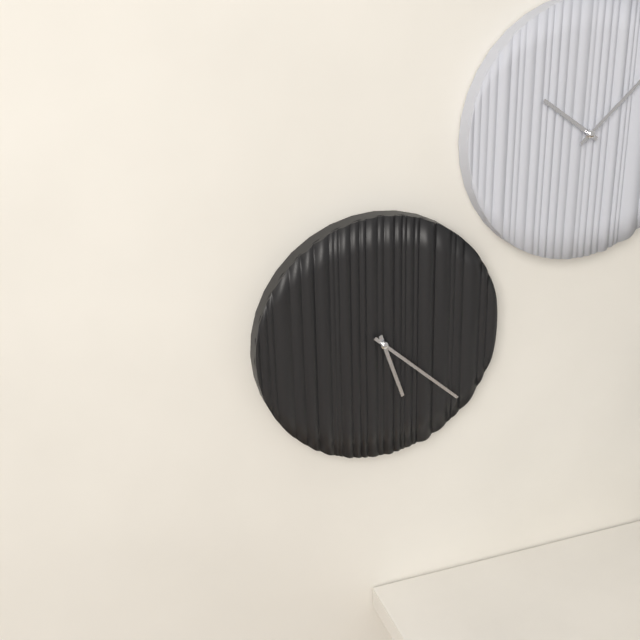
h=5 m=22
